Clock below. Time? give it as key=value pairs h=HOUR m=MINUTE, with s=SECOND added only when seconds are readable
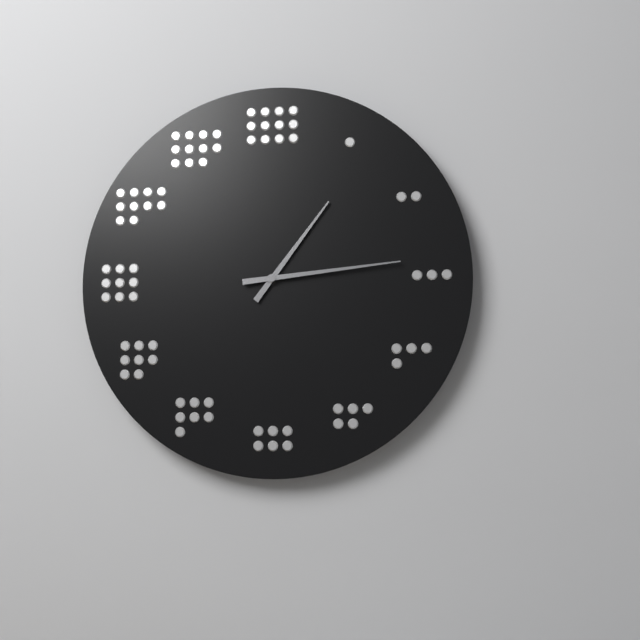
h=1 m=14
